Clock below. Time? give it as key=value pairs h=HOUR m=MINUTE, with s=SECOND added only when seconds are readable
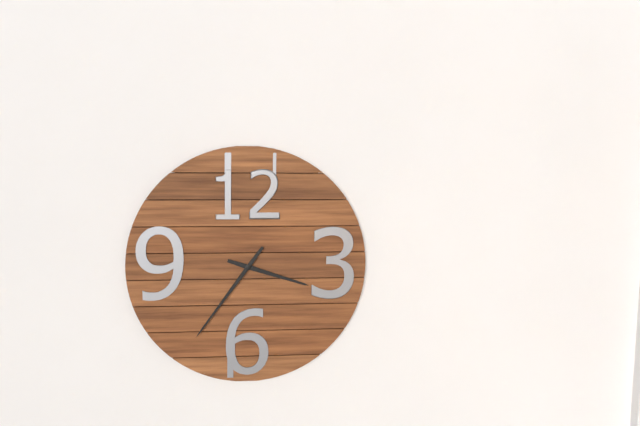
h=3 m=36
